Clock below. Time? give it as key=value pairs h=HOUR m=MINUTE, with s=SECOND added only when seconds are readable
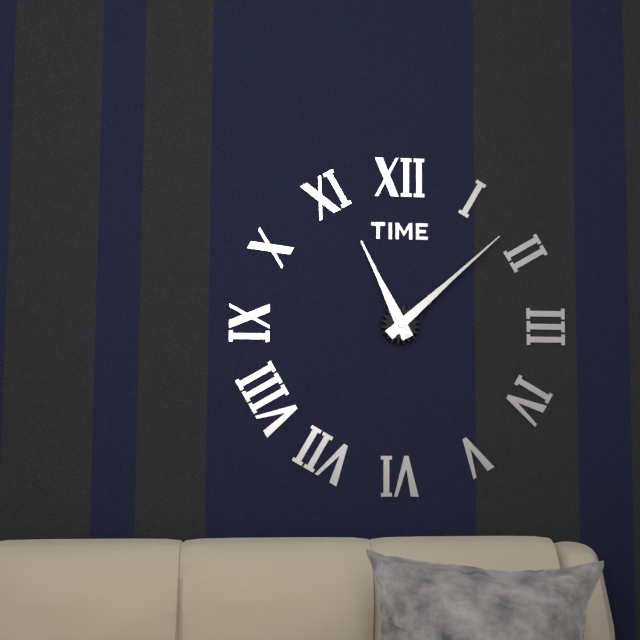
h=11 m=8
